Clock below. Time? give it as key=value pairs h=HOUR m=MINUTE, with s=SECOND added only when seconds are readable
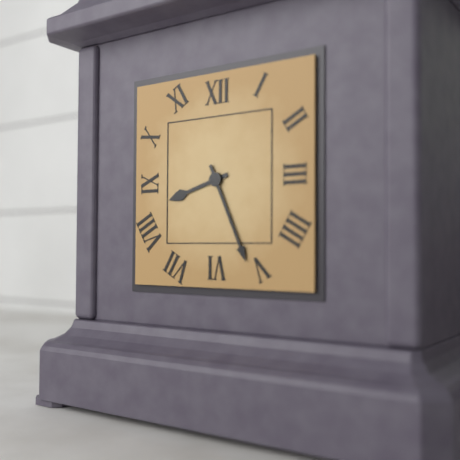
h=8 m=26
